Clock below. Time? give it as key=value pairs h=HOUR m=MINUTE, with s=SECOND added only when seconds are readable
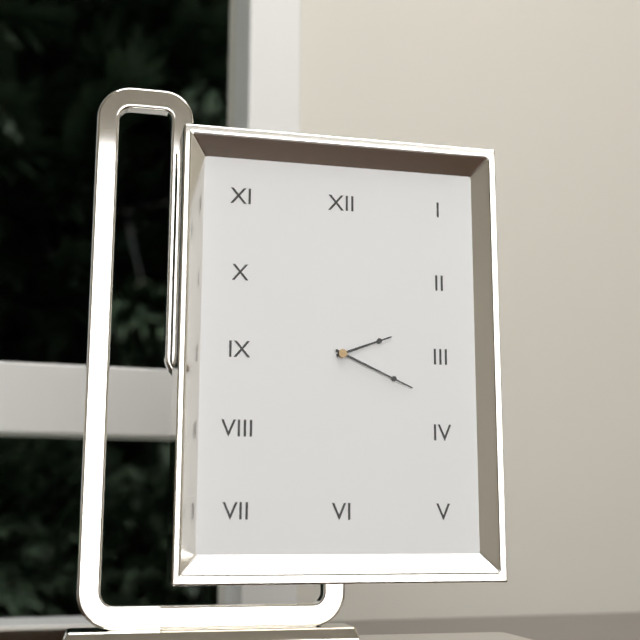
h=2 m=19
